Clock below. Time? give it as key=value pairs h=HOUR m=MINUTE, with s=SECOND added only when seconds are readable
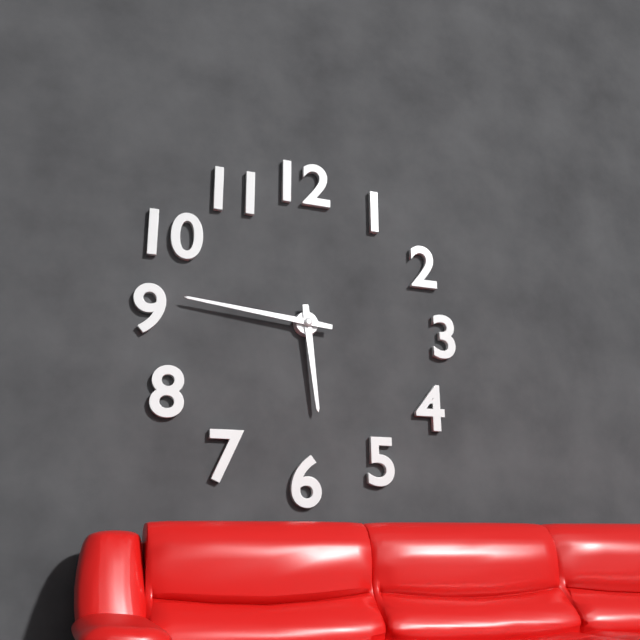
h=5 m=46
